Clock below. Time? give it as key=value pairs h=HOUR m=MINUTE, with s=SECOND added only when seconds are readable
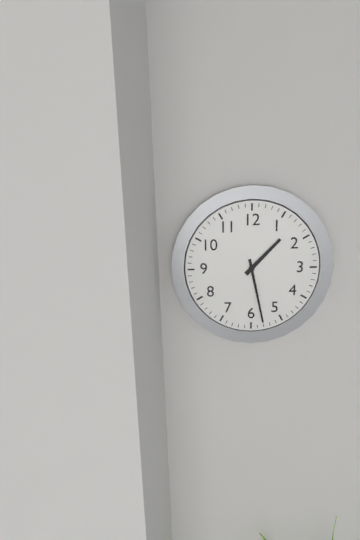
h=1 m=28
